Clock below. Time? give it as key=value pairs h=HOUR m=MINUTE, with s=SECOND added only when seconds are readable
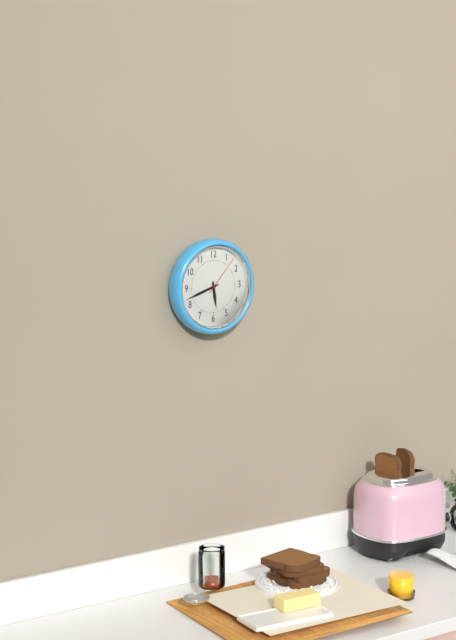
h=5 m=42
